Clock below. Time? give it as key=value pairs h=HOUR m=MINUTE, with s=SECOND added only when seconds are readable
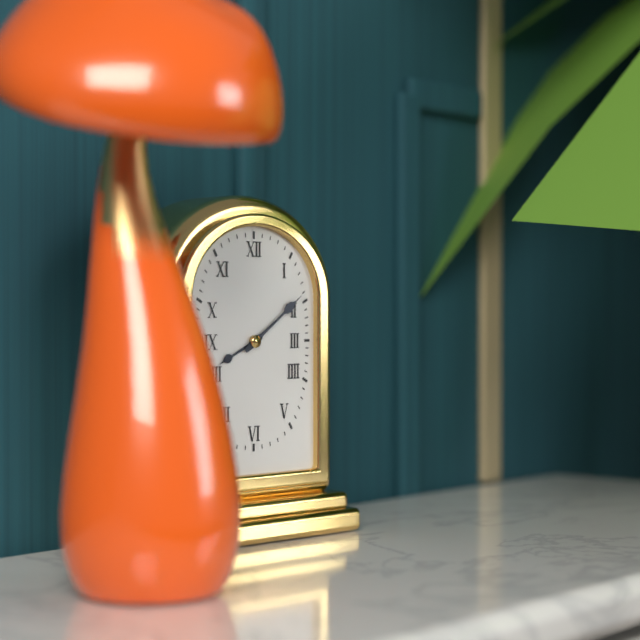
h=8 m=9
